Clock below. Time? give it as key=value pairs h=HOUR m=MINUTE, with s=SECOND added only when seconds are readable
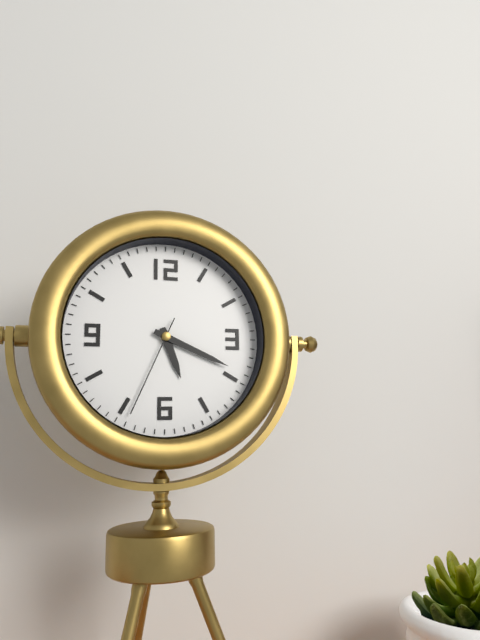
h=5 m=19 s=34
